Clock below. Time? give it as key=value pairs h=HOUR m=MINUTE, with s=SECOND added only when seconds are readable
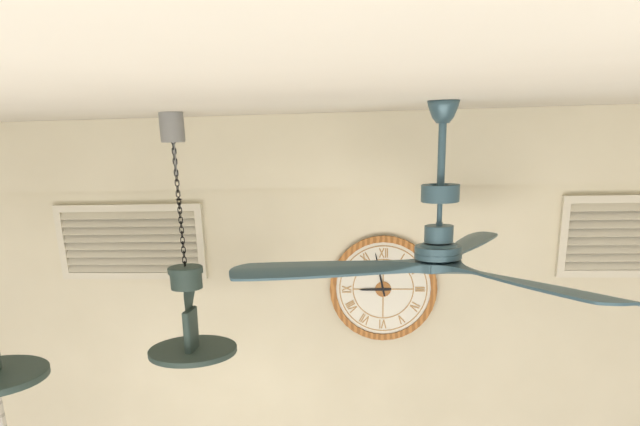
h=8 m=58
